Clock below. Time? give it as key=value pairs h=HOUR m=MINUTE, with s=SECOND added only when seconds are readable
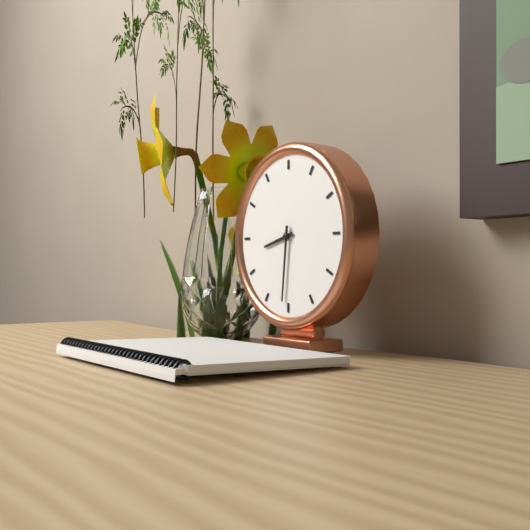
h=8 m=31
